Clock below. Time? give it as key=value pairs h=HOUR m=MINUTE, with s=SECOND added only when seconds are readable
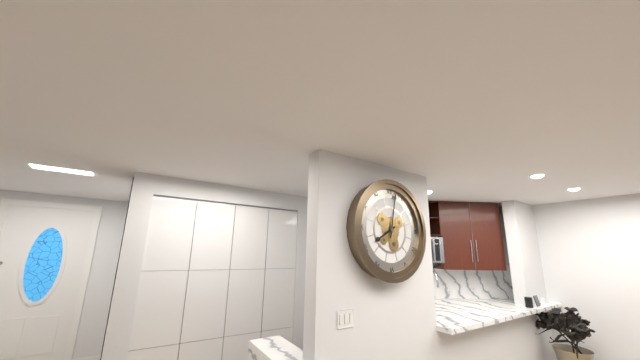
h=8 m=2
